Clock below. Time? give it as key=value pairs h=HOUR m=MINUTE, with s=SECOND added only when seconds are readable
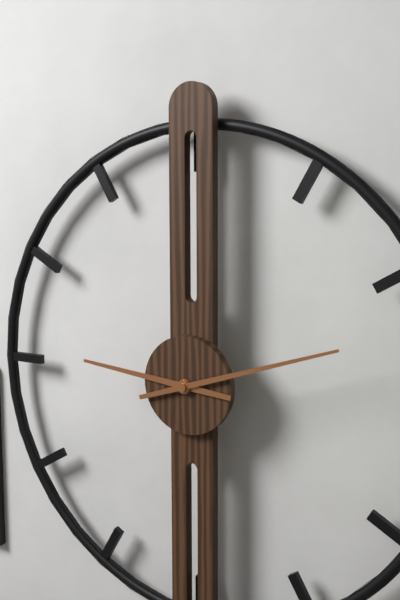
h=9 m=12
